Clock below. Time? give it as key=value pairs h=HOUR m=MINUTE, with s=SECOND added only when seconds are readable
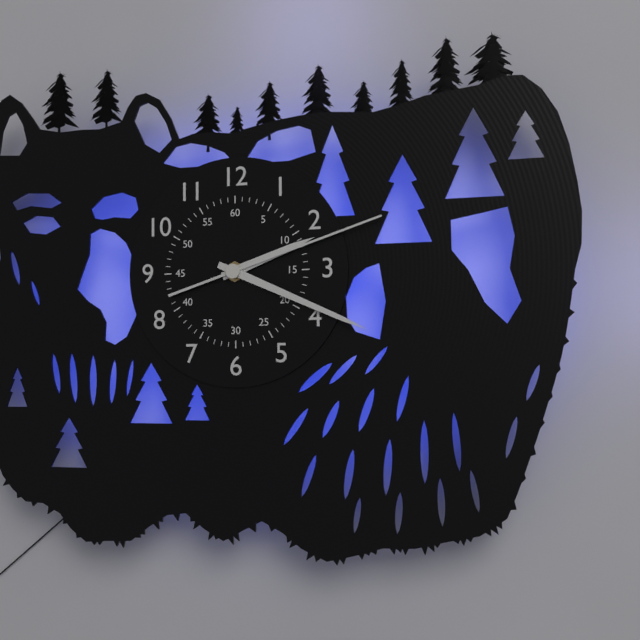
h=2 m=19 s=12
